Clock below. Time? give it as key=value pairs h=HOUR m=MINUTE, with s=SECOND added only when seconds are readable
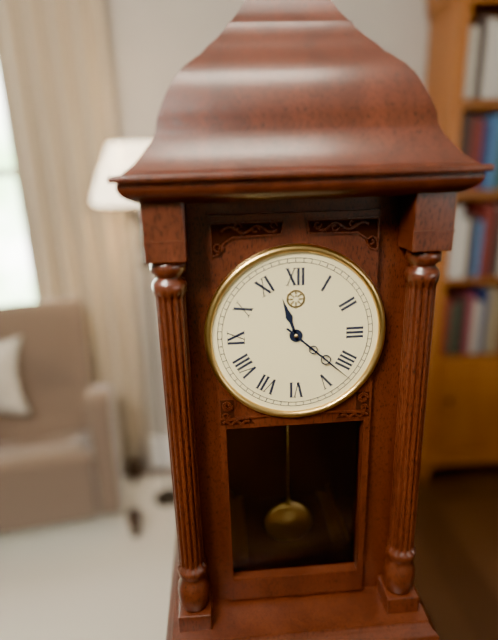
h=11 m=22
